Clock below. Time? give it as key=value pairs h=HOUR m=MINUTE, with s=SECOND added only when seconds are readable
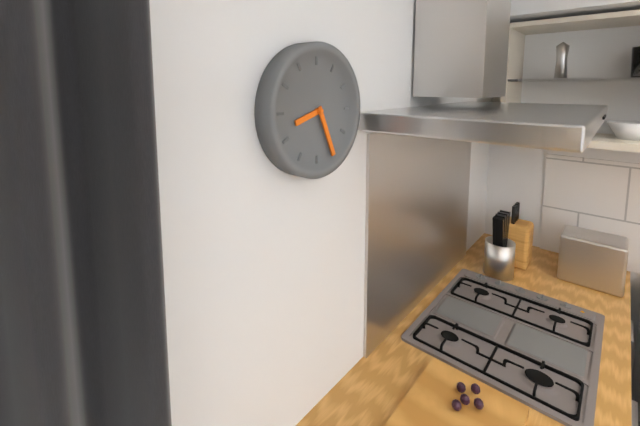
h=8 m=26
